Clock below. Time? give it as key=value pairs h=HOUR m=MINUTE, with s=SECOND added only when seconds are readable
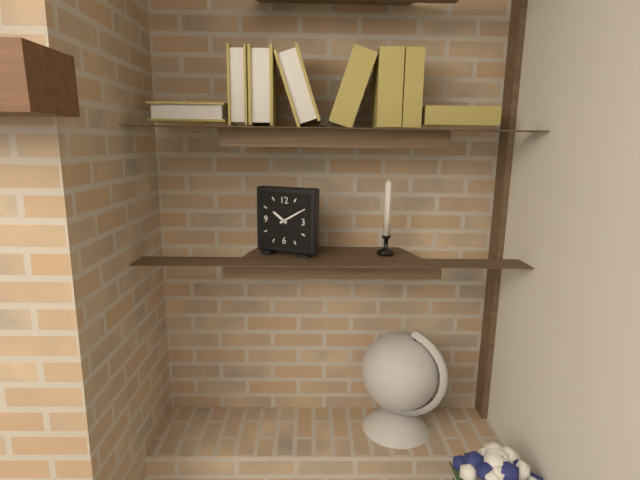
h=10 m=10
